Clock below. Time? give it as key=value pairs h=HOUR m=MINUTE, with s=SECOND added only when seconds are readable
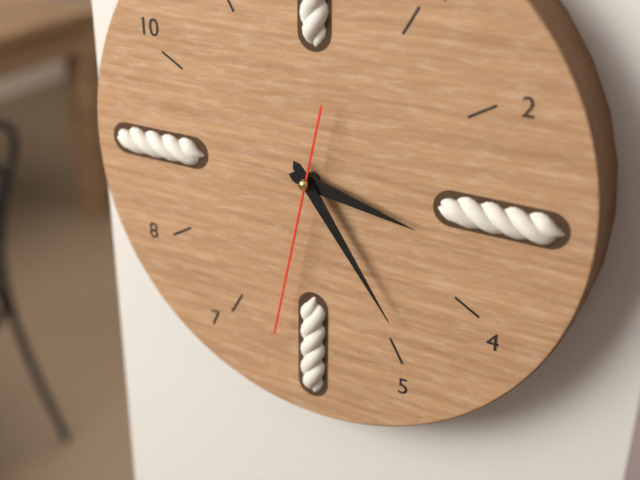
h=3 m=24 s=32
